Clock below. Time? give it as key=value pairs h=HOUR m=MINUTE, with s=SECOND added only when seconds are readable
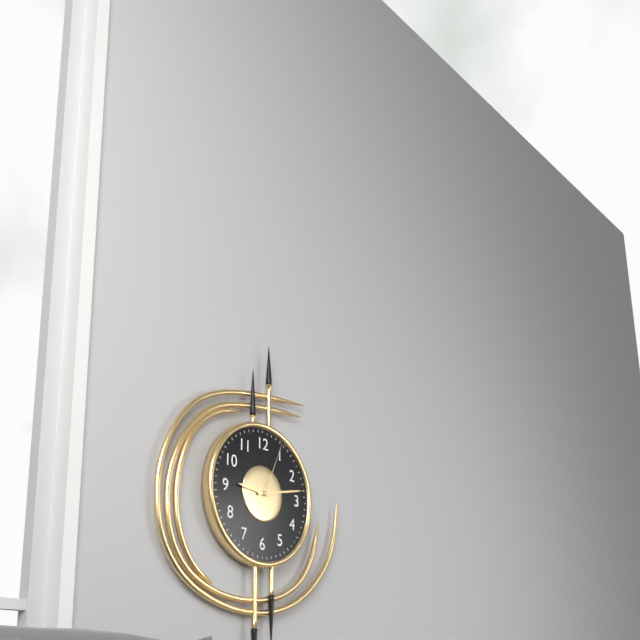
h=9 m=13 s=4
